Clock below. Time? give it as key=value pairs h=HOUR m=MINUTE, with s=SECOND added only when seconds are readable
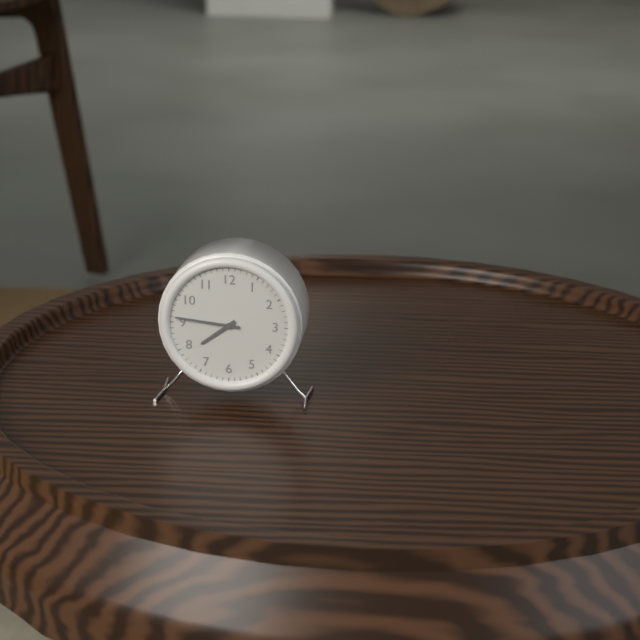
h=7 m=46
